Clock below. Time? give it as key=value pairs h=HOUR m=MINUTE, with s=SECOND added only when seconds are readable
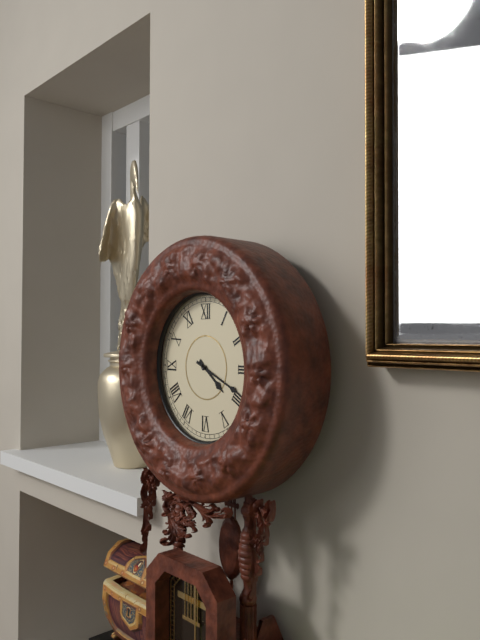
h=4 m=19
